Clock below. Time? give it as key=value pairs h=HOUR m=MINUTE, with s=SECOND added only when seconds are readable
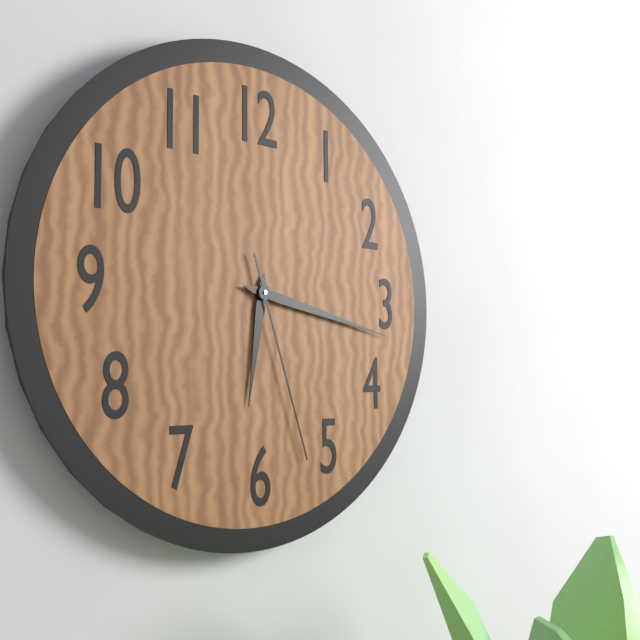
h=6 m=17 s=27
